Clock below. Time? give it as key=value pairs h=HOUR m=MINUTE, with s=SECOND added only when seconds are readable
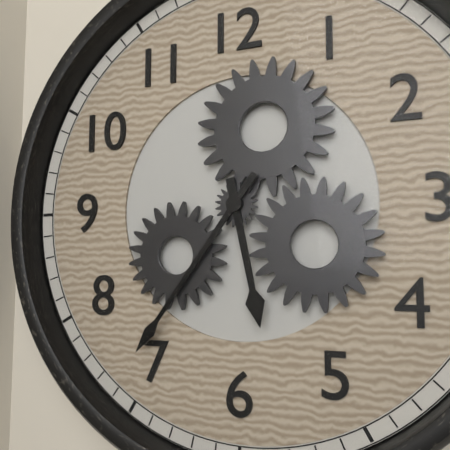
h=5 m=36
